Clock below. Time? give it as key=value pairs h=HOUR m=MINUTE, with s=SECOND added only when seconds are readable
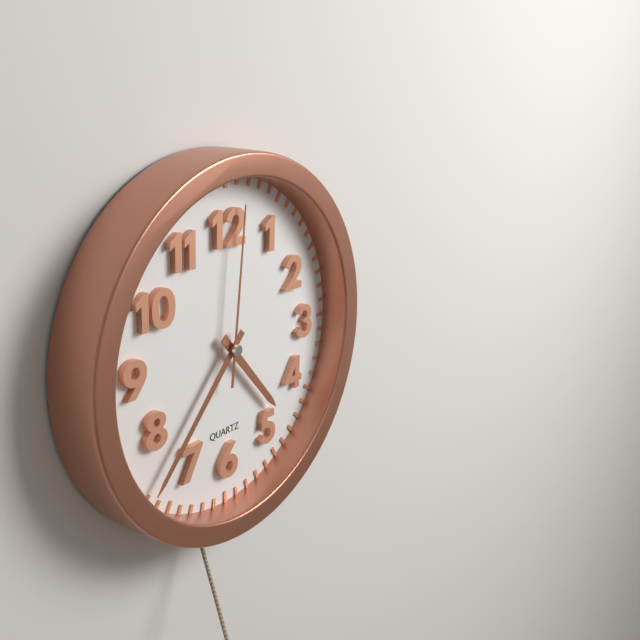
h=4 m=37 s=1
